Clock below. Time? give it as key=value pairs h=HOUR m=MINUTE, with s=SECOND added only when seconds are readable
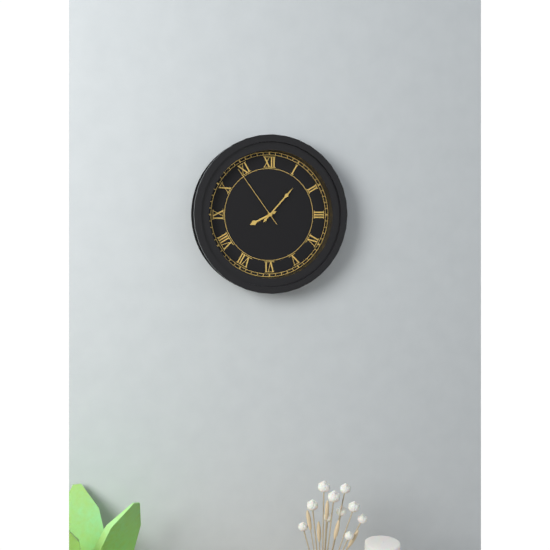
h=8 m=7 s=54
